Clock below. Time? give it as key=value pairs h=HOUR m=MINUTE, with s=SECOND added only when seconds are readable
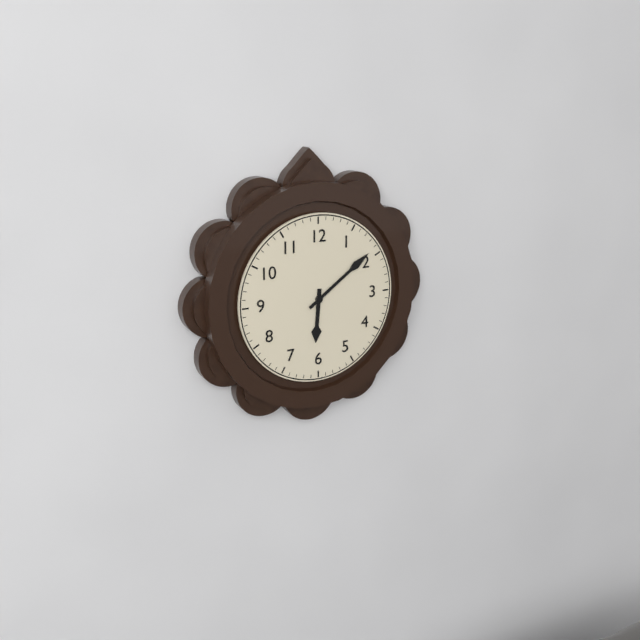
h=6 m=9
